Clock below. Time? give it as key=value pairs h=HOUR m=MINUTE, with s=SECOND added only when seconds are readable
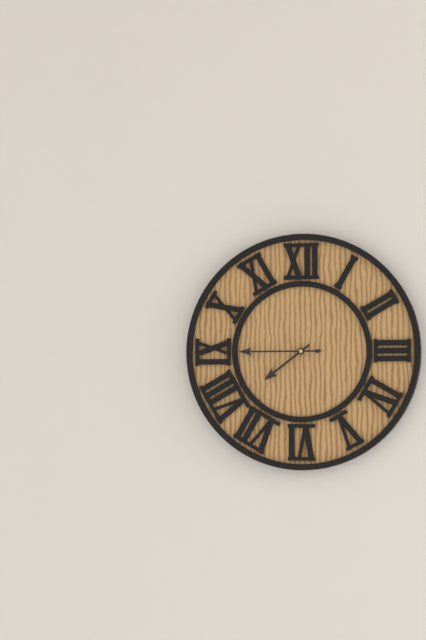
h=7 m=45
